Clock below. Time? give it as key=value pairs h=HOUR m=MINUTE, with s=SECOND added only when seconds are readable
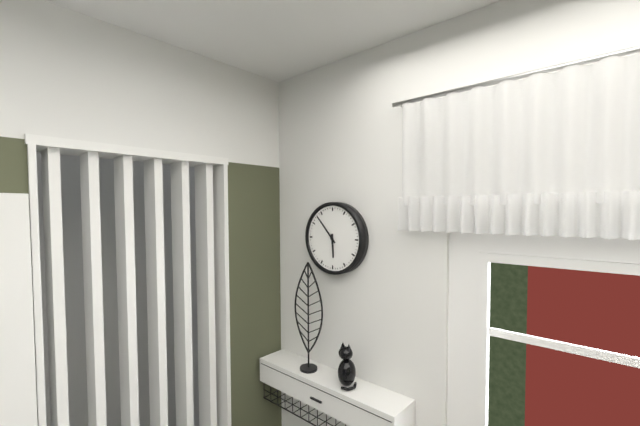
h=5 m=53
